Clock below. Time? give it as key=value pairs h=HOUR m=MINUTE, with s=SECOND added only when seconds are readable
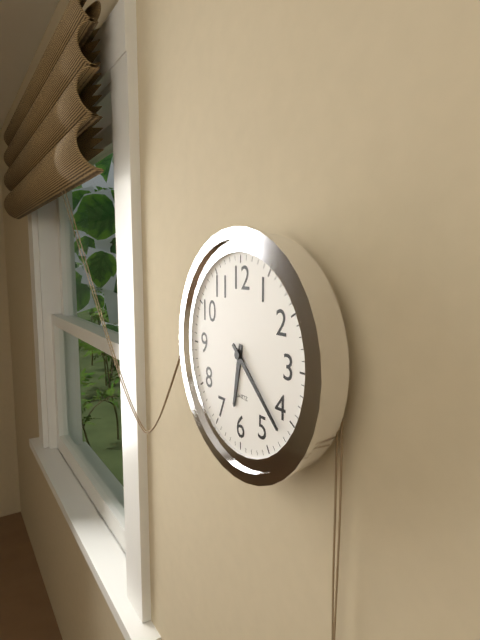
h=6 m=22
